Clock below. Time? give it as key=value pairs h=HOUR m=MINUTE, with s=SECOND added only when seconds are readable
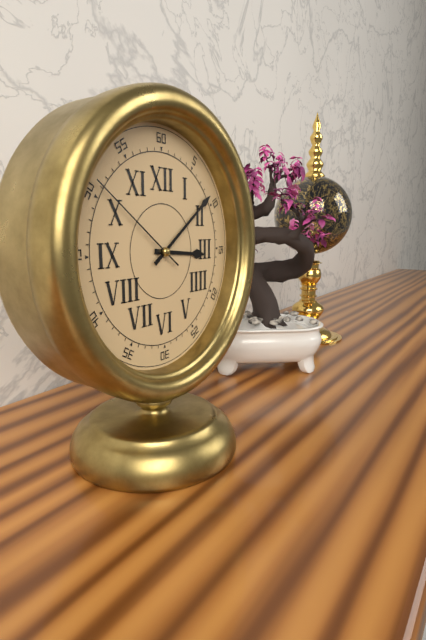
h=3 m=9 s=51
